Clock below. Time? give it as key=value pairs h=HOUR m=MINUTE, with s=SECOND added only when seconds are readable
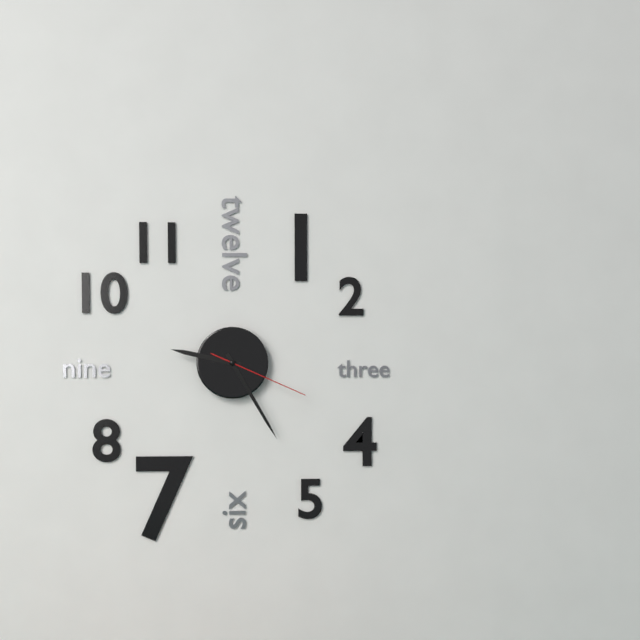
h=9 m=25 s=19
